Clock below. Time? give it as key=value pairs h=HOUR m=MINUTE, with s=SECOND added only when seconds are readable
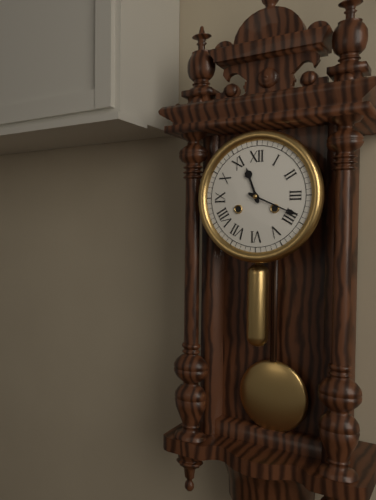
h=11 m=19
